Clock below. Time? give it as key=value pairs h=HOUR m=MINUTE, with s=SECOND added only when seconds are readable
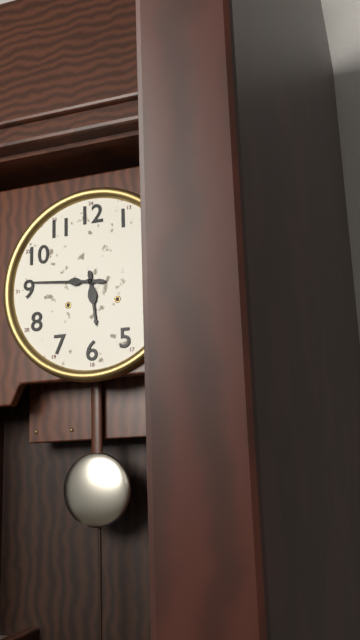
h=5 m=46
